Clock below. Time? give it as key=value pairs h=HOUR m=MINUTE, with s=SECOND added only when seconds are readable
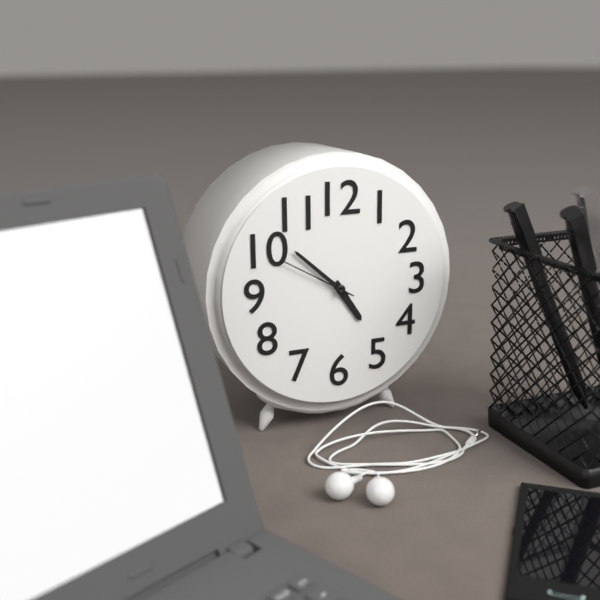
h=4 m=52 s=50
